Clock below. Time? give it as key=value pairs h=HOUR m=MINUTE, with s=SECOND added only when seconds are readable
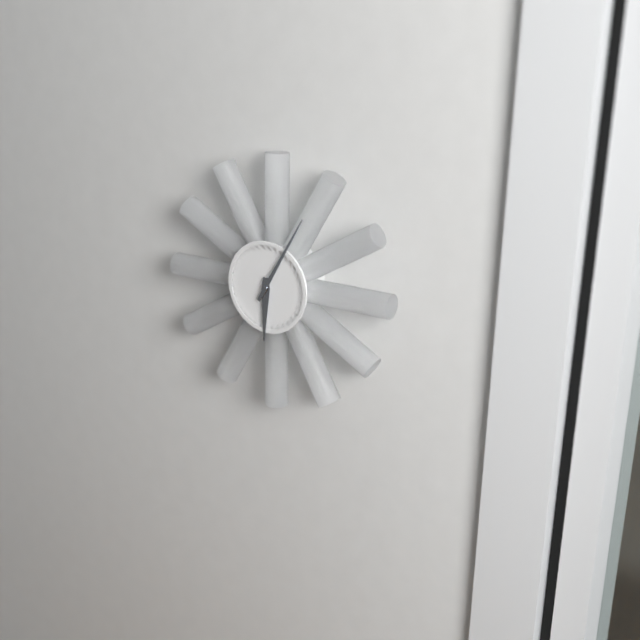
h=6 m=5
